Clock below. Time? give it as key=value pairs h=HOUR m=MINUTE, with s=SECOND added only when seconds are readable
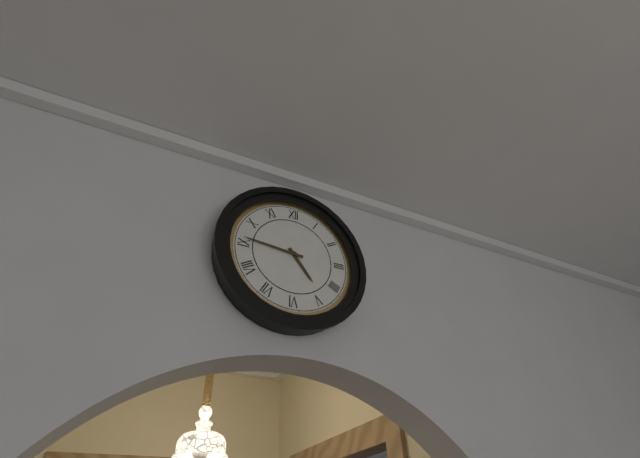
h=4 m=46
